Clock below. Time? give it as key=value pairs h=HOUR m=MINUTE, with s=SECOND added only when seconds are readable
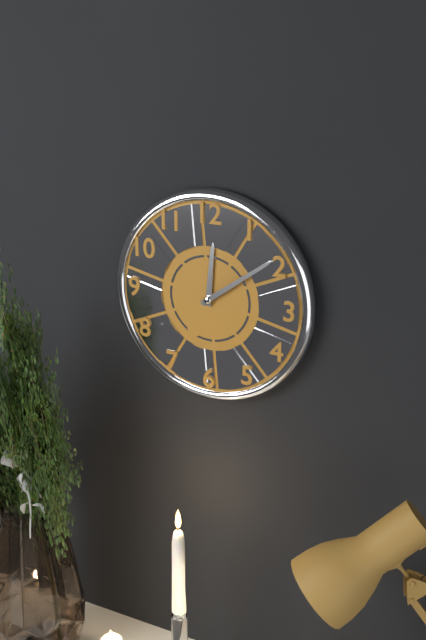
h=12 m=9
